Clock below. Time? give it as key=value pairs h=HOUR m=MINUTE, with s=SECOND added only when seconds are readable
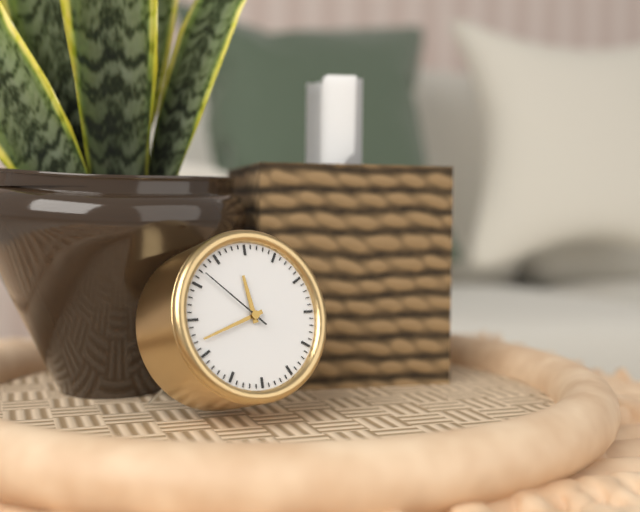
h=11 m=42 s=52
